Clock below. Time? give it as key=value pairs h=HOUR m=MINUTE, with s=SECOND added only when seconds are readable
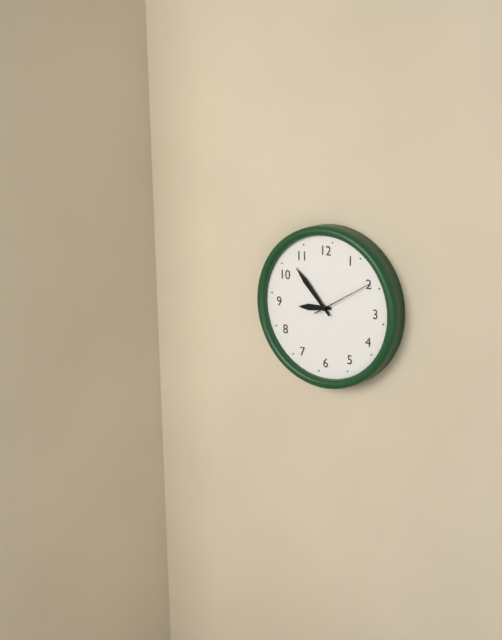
h=8 m=53 s=10
